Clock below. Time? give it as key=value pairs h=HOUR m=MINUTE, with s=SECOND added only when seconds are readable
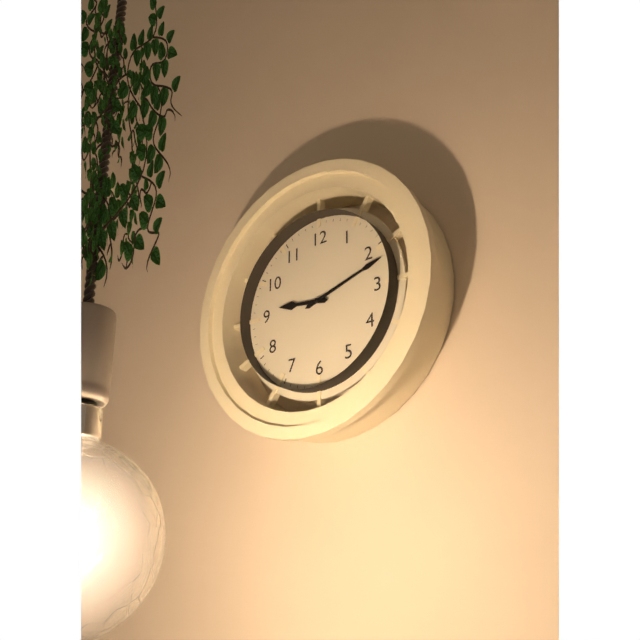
h=9 m=12
